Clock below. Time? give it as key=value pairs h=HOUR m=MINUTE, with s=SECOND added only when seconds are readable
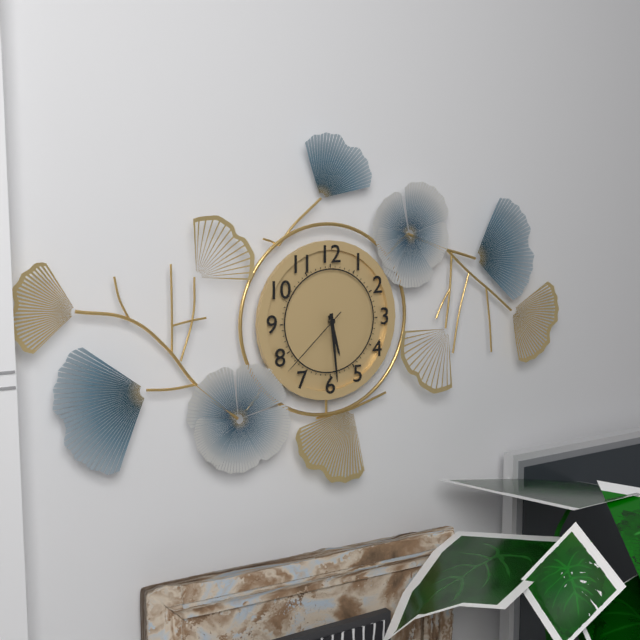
h=5 m=29 s=38
